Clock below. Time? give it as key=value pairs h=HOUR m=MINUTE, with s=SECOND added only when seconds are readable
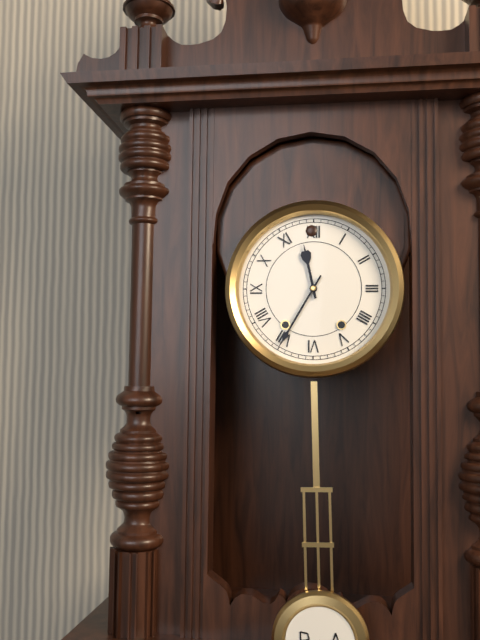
h=11 m=35
